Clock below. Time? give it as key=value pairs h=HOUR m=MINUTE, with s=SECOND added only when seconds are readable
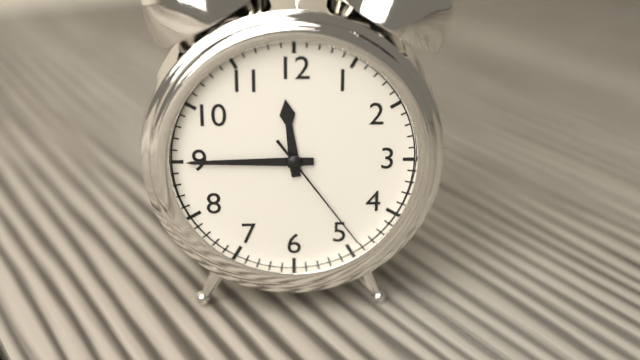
h=11 m=45 s=24
